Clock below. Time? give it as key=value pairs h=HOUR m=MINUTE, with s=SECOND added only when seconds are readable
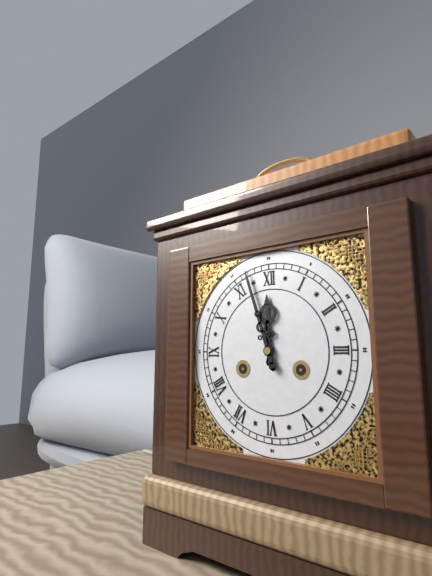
h=11 m=57
